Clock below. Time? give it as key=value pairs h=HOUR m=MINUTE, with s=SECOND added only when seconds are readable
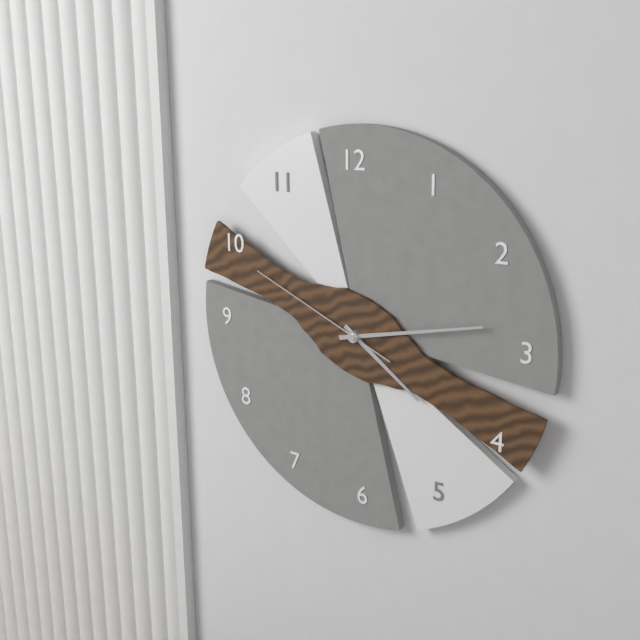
h=4 m=13 s=49
